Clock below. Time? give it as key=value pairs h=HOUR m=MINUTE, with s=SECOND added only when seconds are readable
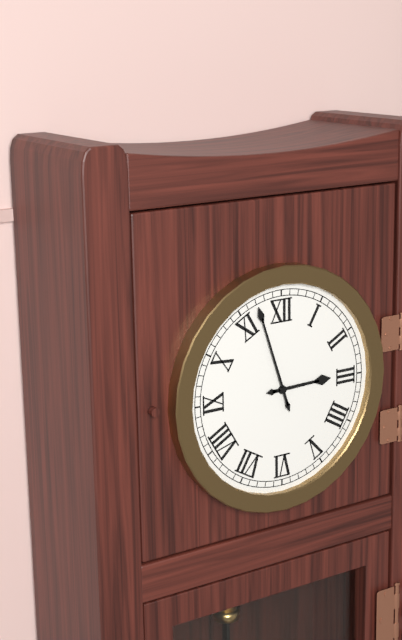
h=2 m=57
